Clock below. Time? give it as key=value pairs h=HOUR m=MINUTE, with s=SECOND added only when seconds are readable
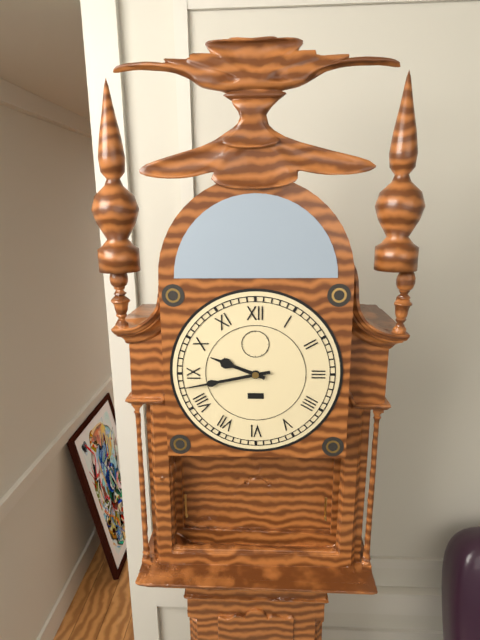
h=9 m=43
